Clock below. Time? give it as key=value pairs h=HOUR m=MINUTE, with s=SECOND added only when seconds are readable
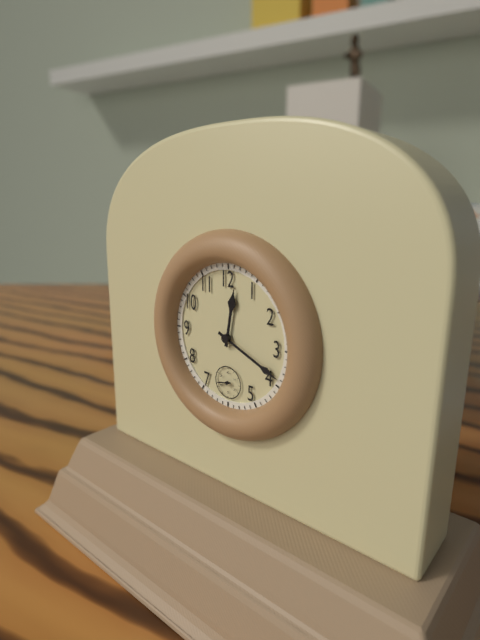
h=12 m=19
